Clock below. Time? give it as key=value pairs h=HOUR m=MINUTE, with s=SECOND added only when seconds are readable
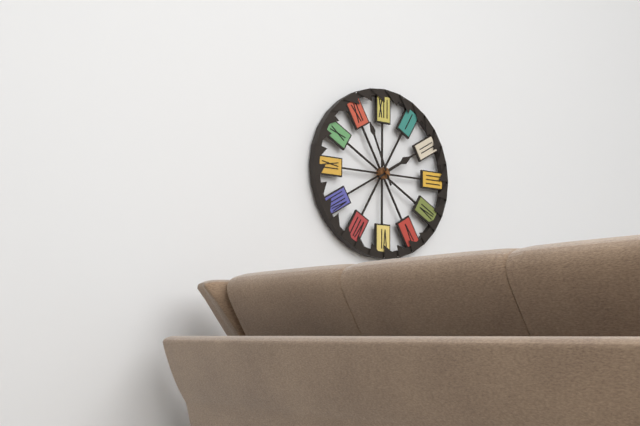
h=1 m=56
